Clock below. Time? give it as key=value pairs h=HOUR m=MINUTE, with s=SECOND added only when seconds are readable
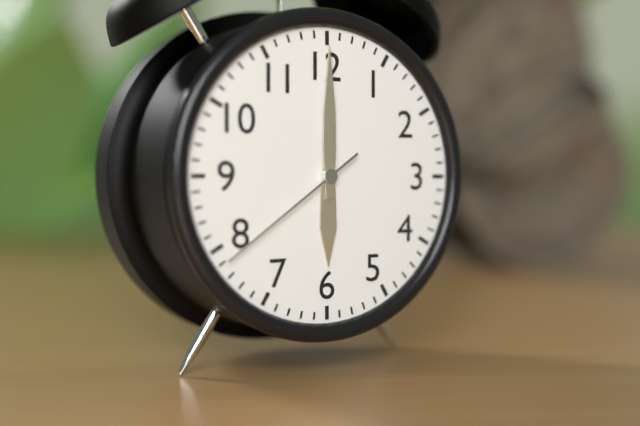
h=6 m=0 s=39
